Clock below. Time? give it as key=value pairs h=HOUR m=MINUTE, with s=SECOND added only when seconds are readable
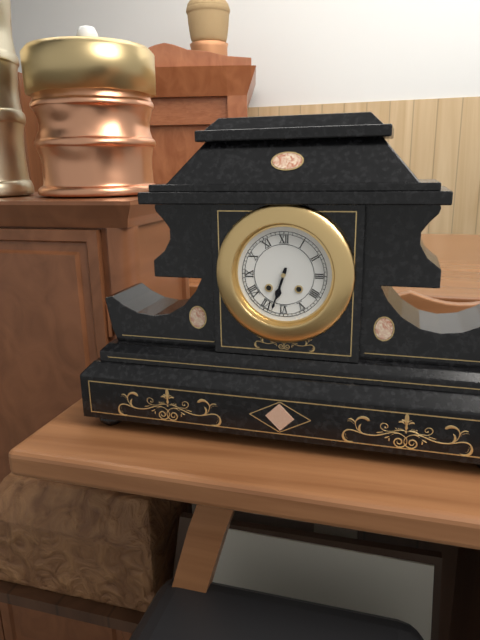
h=6 m=33
